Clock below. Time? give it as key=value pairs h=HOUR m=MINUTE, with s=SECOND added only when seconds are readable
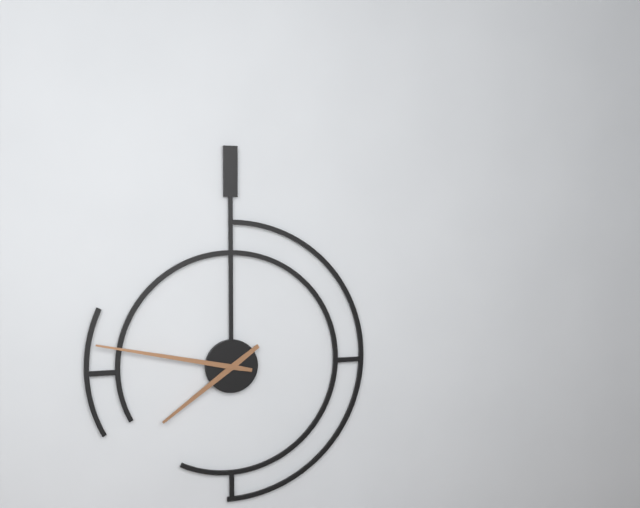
h=7 m=47
